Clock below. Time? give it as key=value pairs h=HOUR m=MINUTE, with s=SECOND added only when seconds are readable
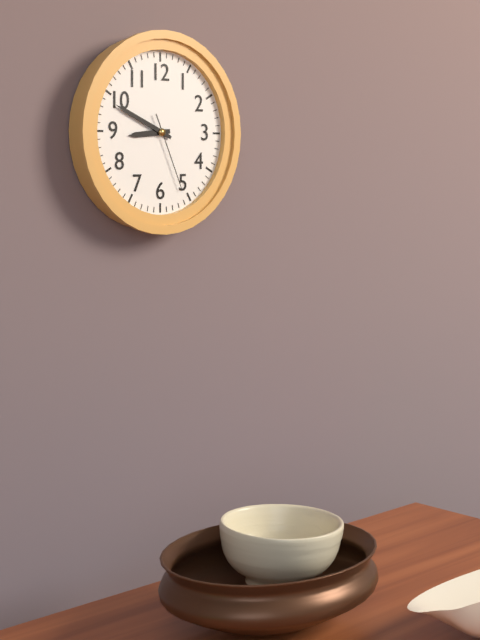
h=8 m=49 s=26
